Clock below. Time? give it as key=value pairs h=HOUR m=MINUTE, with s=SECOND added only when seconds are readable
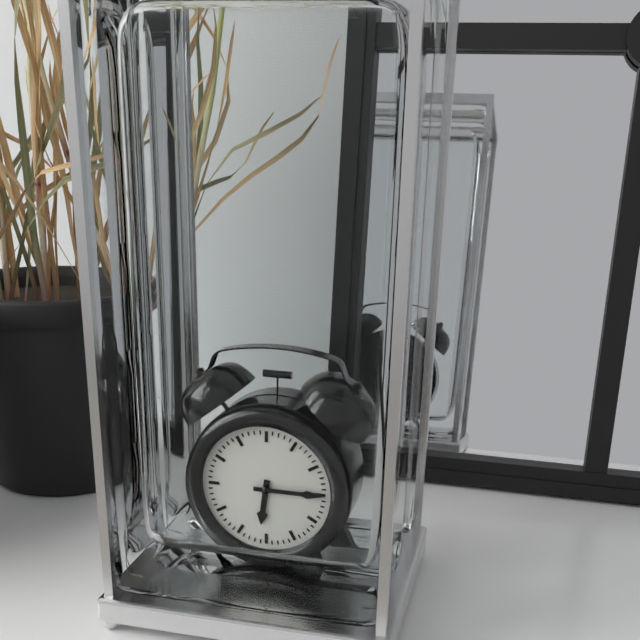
h=6 m=15
